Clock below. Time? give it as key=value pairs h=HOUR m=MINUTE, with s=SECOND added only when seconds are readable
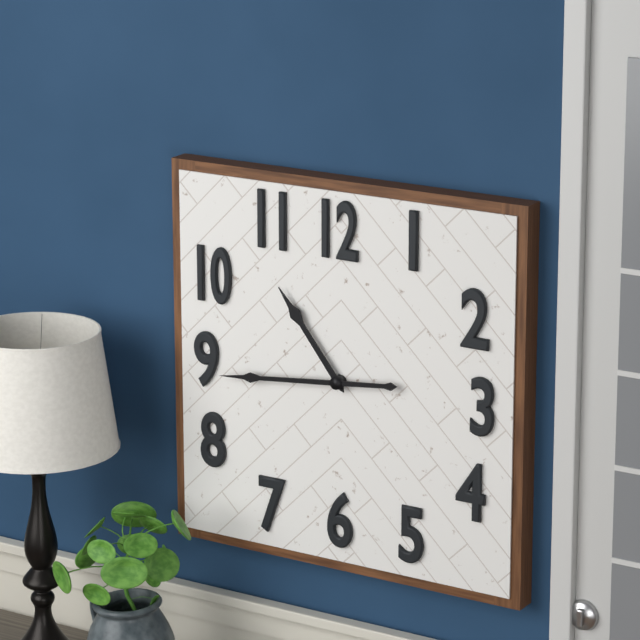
h=10 m=44
